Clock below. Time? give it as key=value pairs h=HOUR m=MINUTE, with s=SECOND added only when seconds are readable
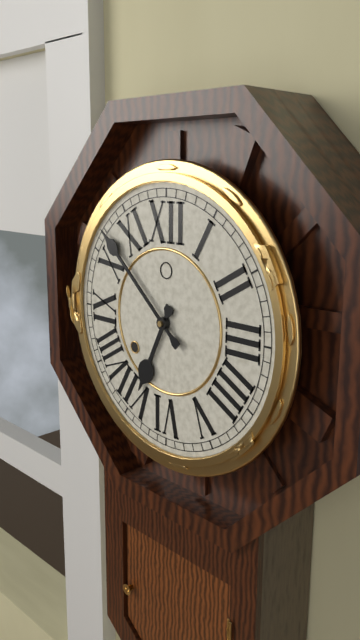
h=6 m=52
